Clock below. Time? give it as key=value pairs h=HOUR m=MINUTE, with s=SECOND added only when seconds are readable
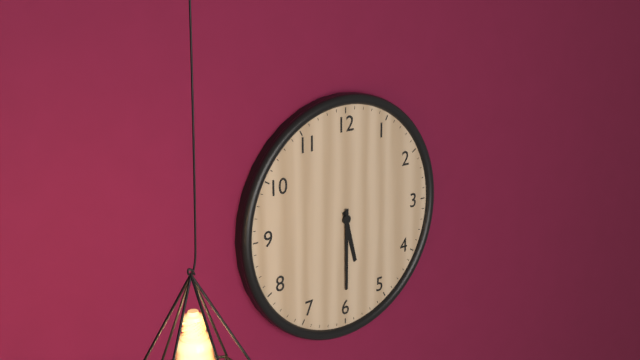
h=5 m=30
